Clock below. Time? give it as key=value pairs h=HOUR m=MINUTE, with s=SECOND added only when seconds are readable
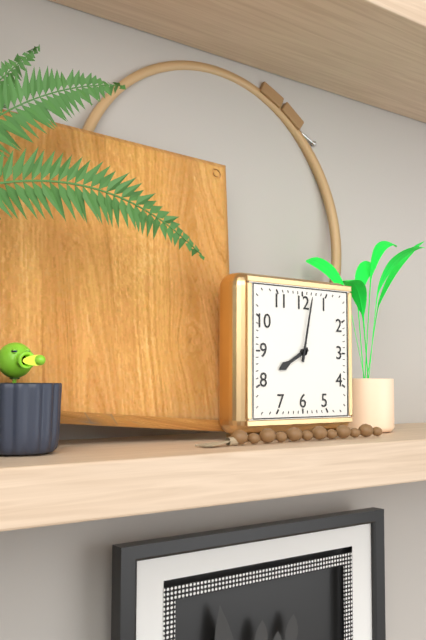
h=8 m=2
